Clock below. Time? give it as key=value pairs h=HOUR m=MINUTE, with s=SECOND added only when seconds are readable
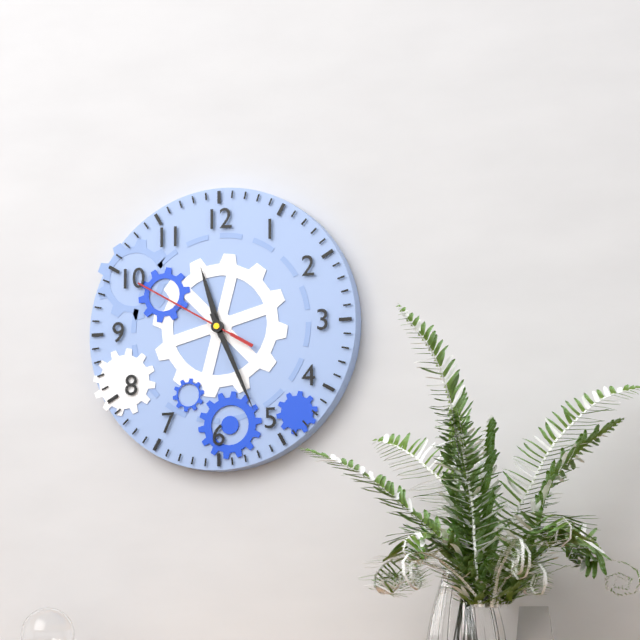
h=11 m=26 s=50
